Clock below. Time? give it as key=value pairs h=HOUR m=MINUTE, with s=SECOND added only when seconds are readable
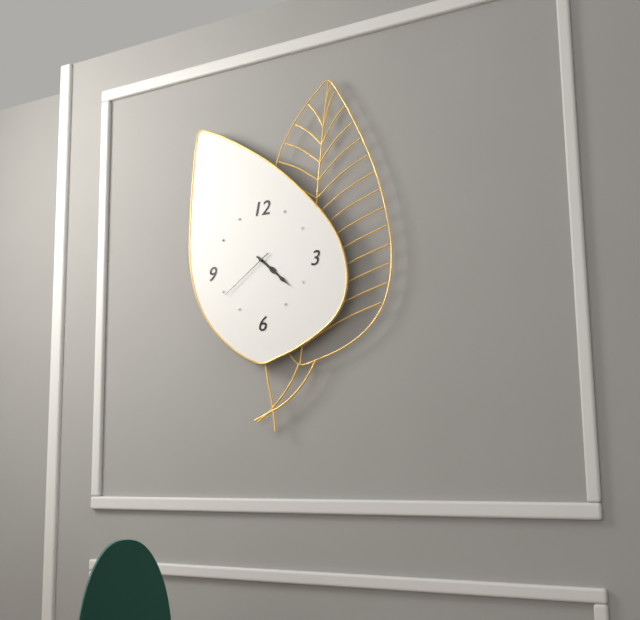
h=4 m=22 s=39
